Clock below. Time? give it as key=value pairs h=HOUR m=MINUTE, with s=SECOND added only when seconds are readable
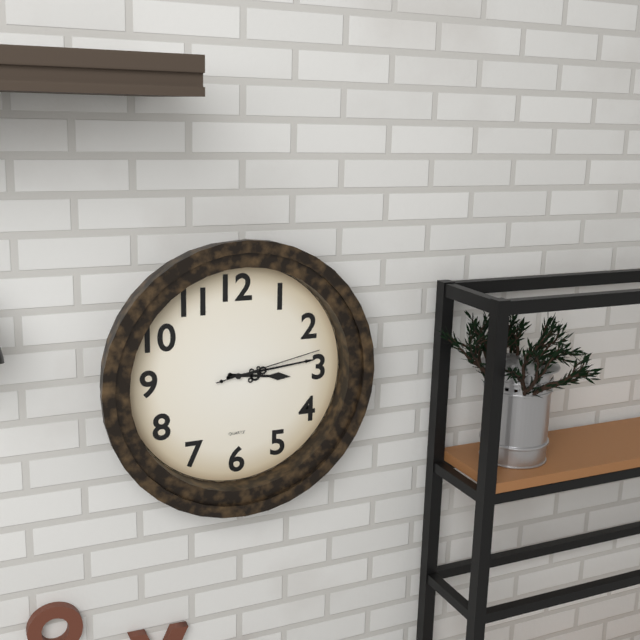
h=3 m=14 s=13
